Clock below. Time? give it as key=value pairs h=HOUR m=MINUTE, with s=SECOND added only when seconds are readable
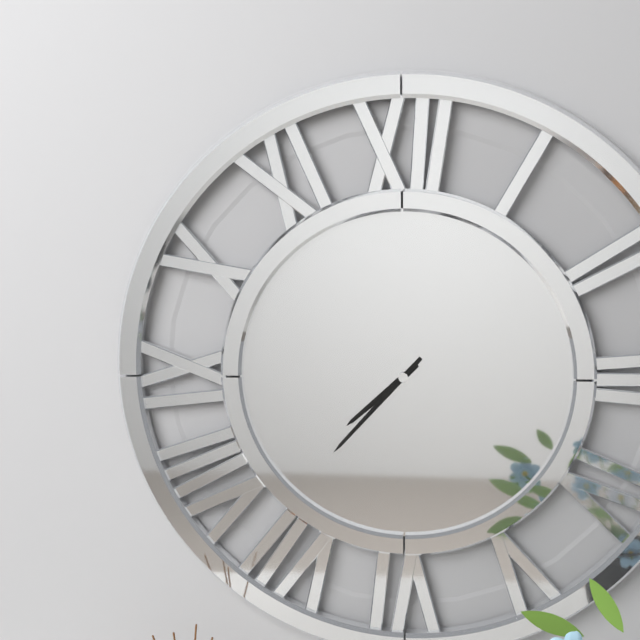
h=7 m=37
